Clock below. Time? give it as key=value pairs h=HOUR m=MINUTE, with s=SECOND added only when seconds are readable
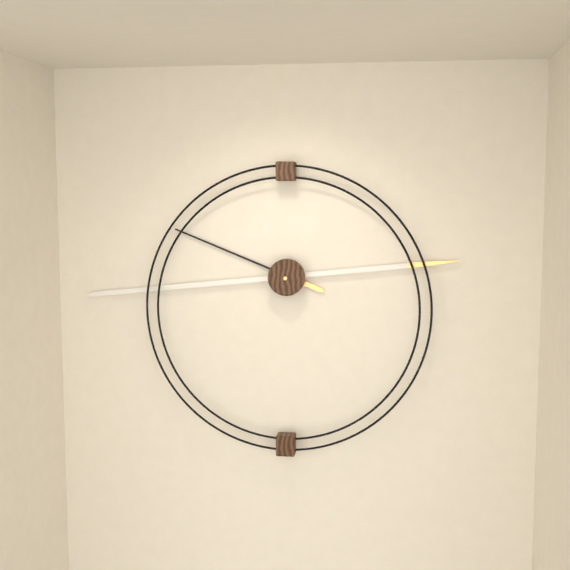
h=9 m=44
